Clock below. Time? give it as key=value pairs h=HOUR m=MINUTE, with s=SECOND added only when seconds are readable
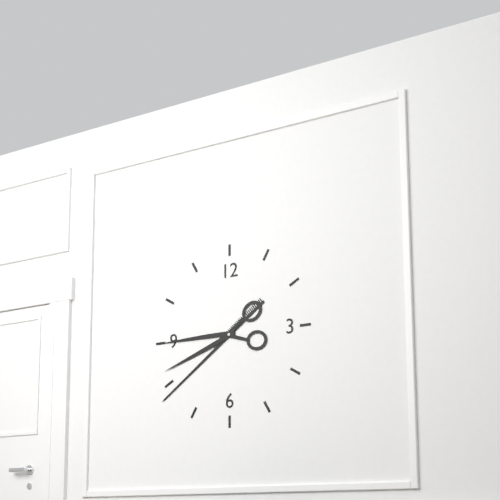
h=8 m=39
